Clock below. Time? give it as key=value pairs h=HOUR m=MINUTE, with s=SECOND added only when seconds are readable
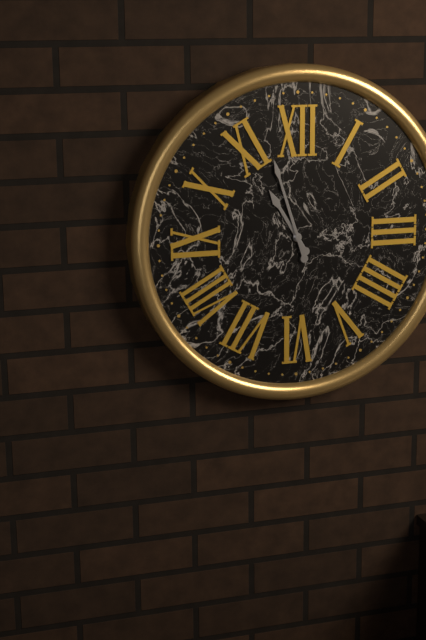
h=10 m=57
